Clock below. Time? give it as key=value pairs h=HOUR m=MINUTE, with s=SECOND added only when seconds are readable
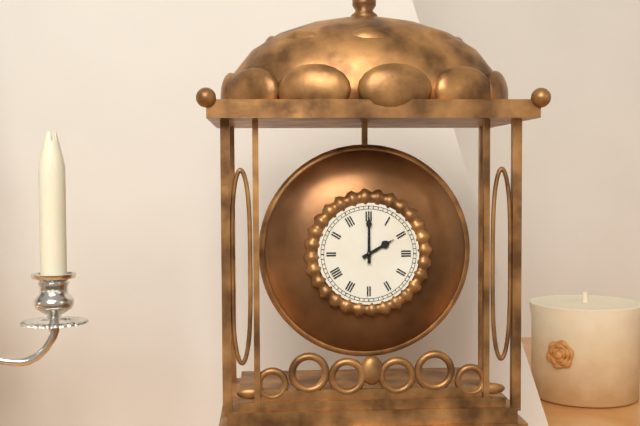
h=2 m=0
